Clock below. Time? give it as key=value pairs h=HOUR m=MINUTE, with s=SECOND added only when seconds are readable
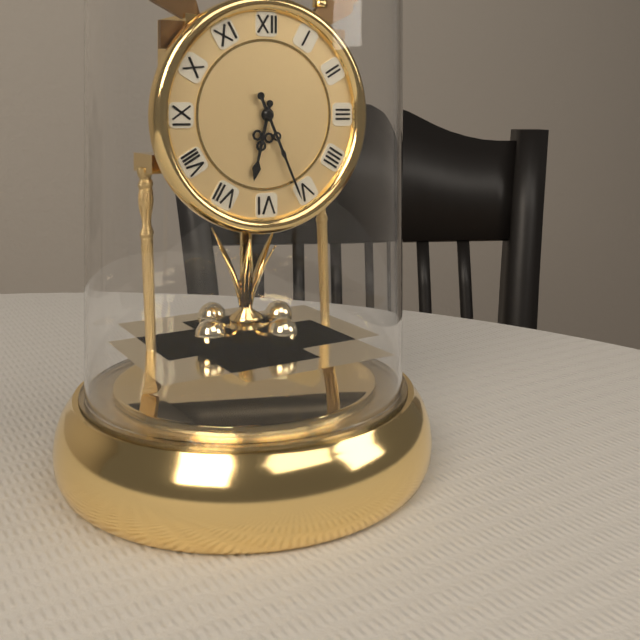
h=6 m=26
